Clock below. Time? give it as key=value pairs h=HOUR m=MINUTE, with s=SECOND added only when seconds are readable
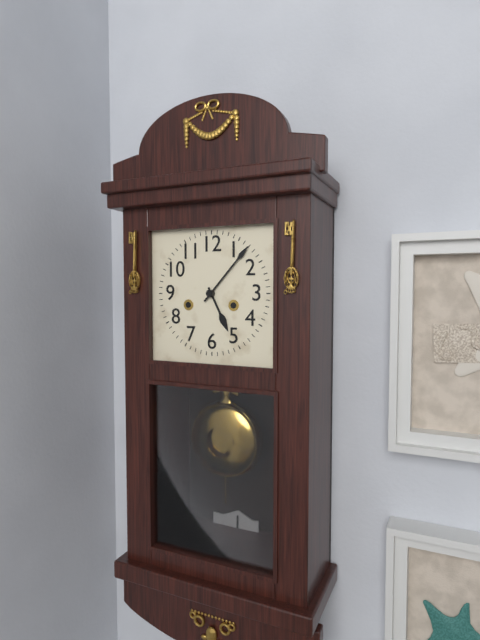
h=5 m=7
